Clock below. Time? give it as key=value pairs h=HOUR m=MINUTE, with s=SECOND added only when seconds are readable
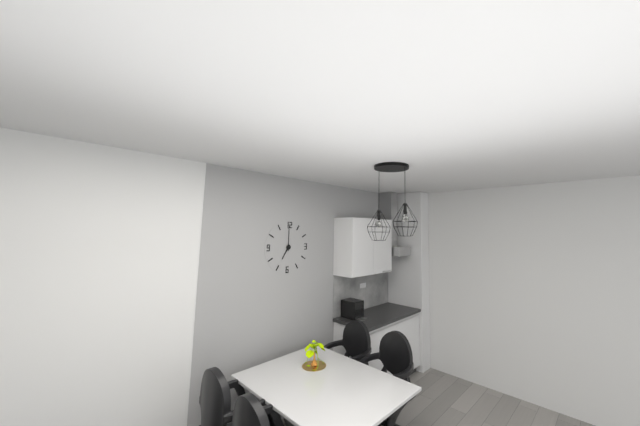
h=7 m=0
